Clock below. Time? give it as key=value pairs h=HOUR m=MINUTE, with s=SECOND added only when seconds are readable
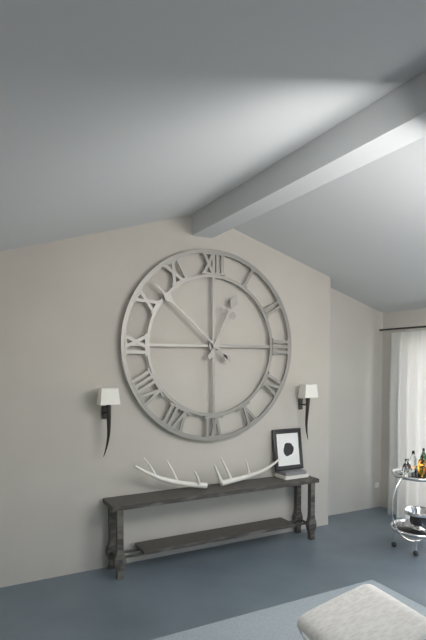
h=12 m=52
